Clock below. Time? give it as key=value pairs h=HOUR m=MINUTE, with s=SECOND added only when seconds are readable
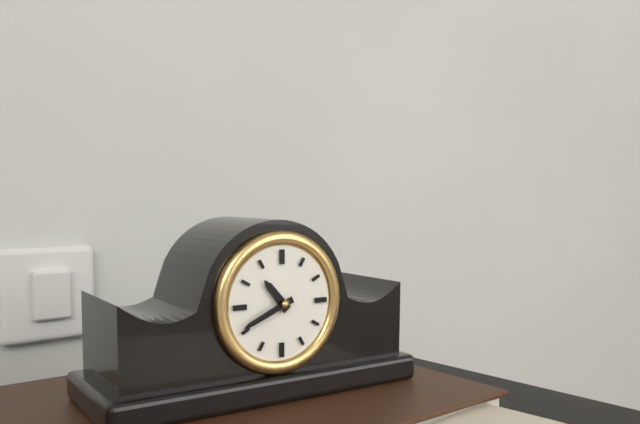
h=10 m=41
